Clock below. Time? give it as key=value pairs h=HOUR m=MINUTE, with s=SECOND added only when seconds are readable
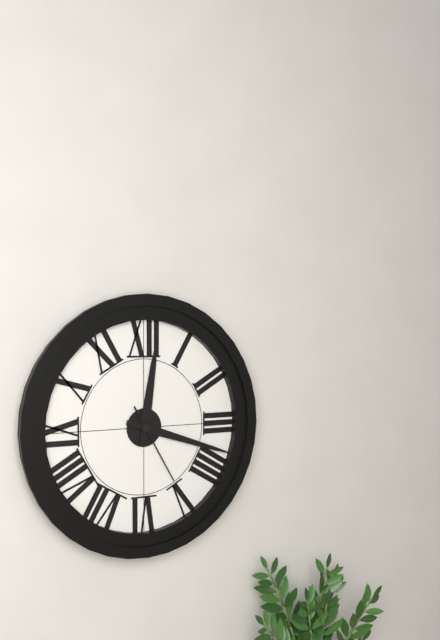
h=12 m=18 s=25
